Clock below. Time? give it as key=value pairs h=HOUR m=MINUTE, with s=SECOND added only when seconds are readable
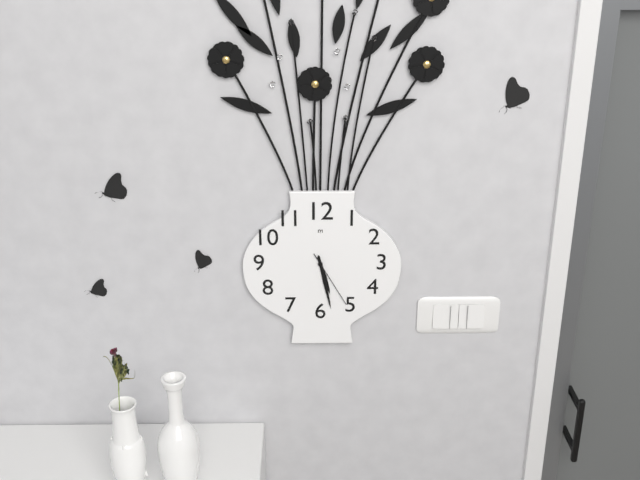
h=5 m=28 s=25
